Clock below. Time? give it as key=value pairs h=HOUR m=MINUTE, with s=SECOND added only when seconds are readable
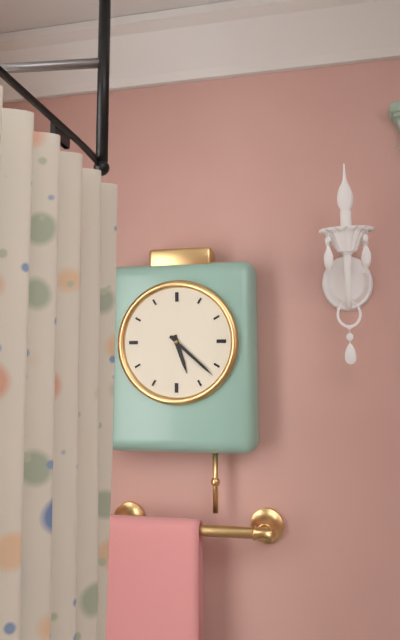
h=5 m=22
